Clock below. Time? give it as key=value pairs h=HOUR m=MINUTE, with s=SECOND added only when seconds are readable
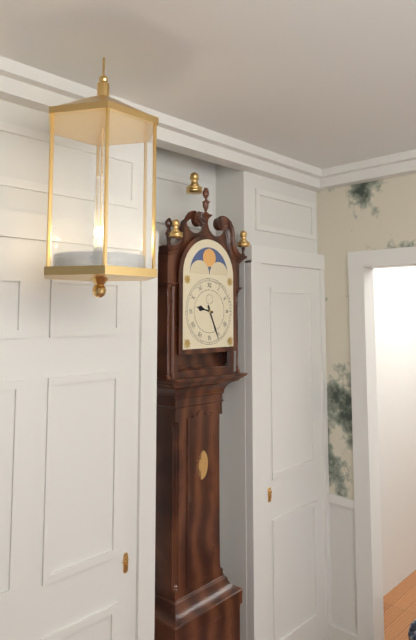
h=9 m=26
